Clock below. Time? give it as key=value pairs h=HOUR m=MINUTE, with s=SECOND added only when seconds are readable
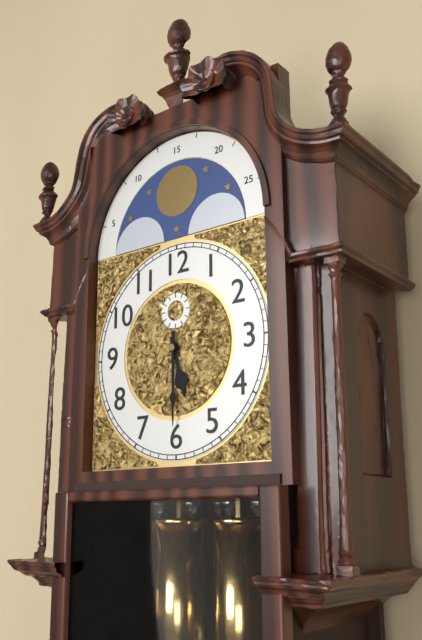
h=5 m=30
